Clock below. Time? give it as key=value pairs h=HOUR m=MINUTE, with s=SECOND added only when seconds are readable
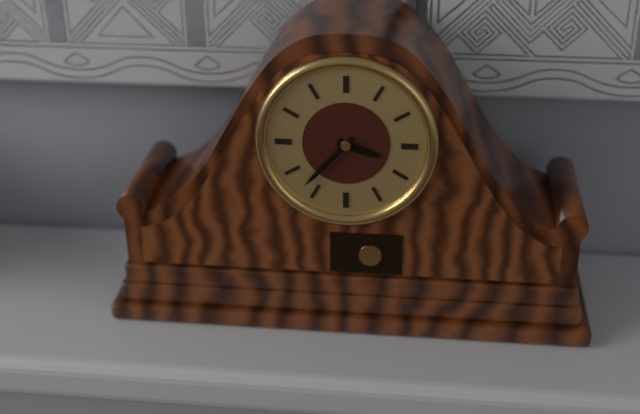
h=3 m=37
